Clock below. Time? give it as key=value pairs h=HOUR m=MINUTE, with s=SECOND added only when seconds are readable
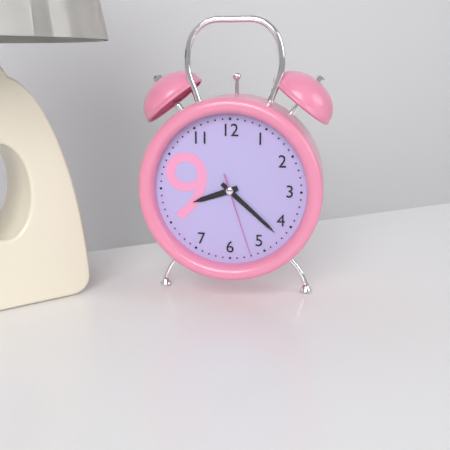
h=8 m=22 s=27
